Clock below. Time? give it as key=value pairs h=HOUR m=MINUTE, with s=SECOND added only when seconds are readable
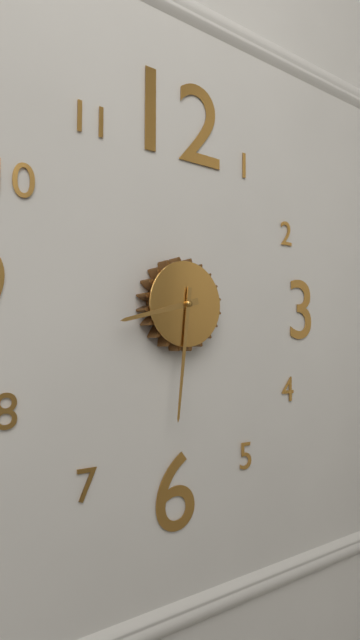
h=8 m=31
